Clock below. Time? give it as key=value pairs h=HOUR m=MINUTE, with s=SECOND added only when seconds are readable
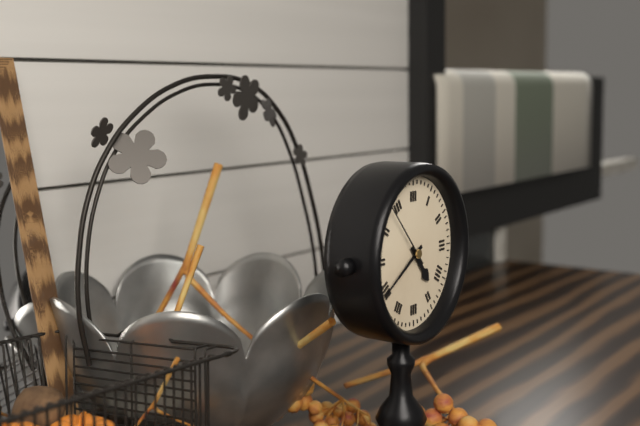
h=4 m=40 s=53
